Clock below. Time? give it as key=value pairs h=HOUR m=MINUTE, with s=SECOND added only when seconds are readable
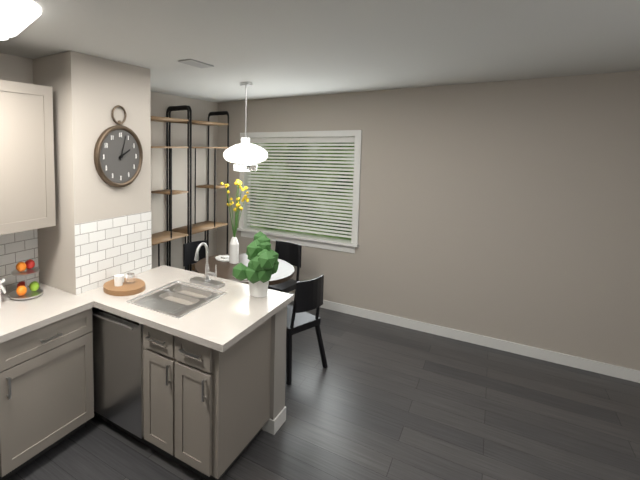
h=2 m=3
